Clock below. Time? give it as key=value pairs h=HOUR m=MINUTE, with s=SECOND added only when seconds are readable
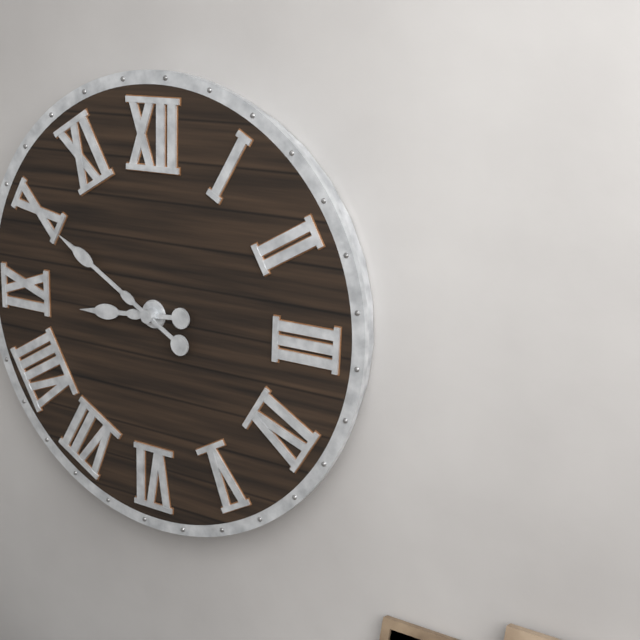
h=8 m=50
